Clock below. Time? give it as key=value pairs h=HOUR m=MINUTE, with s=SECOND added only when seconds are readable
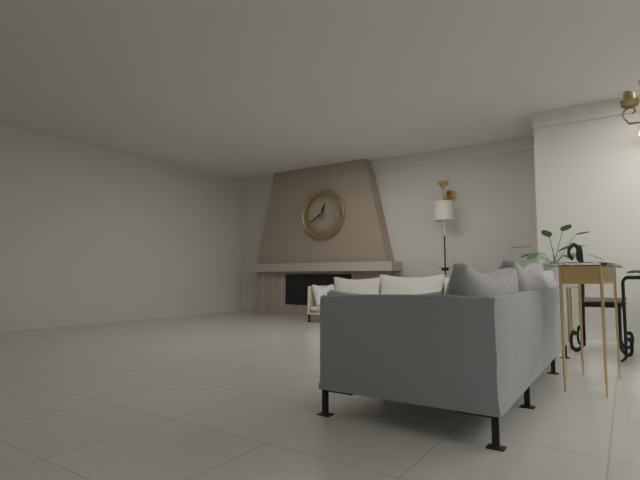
h=12 m=40
